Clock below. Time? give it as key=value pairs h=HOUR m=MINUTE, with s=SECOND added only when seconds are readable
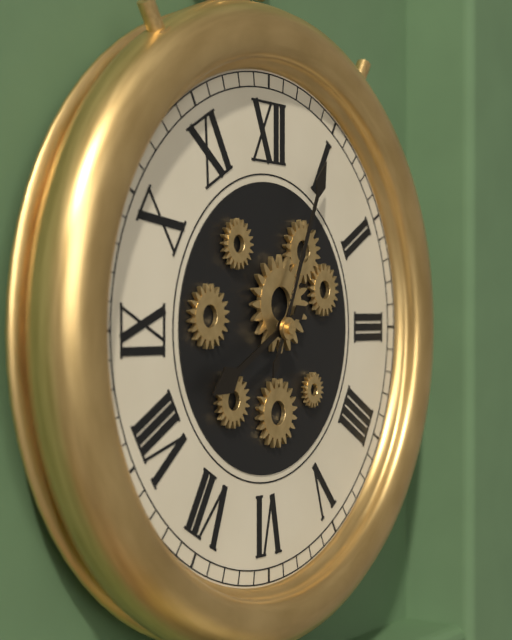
h=8 m=4
